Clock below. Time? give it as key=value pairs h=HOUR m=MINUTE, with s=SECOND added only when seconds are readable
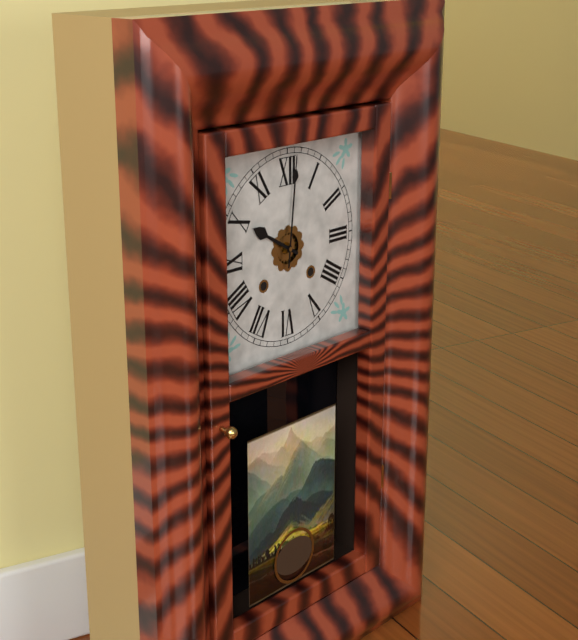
h=10 m=1
